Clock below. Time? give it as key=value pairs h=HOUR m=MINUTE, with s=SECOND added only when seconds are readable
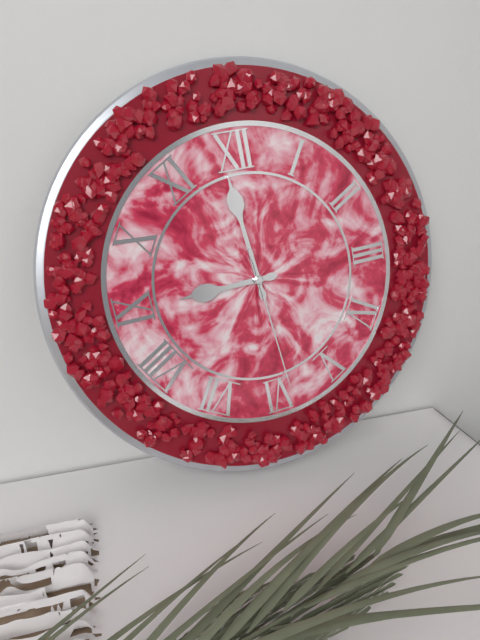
h=8 m=59 s=29
